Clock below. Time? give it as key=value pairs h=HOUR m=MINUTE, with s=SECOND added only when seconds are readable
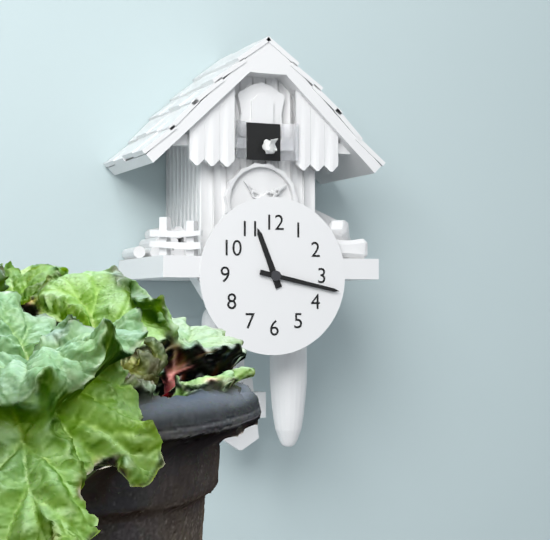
h=11 m=17
